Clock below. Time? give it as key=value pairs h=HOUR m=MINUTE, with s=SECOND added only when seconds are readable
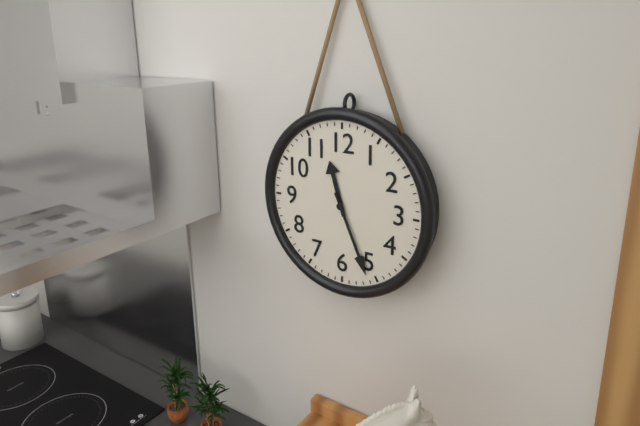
h=11 m=26
